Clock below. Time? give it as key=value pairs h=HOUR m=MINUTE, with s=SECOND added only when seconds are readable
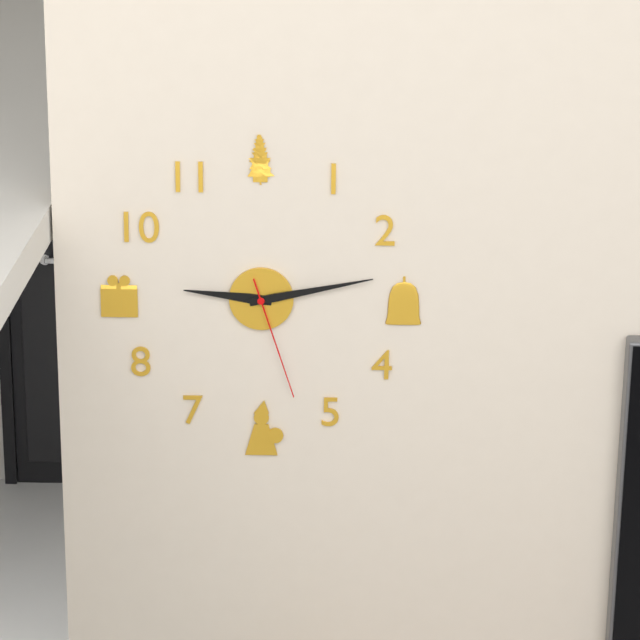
h=9 m=13 s=27
